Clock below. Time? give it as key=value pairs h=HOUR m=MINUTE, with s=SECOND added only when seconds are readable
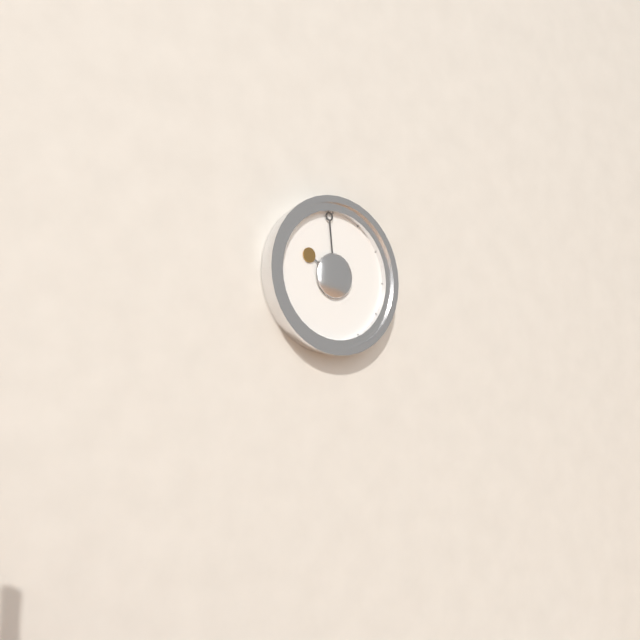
h=9 m=59
